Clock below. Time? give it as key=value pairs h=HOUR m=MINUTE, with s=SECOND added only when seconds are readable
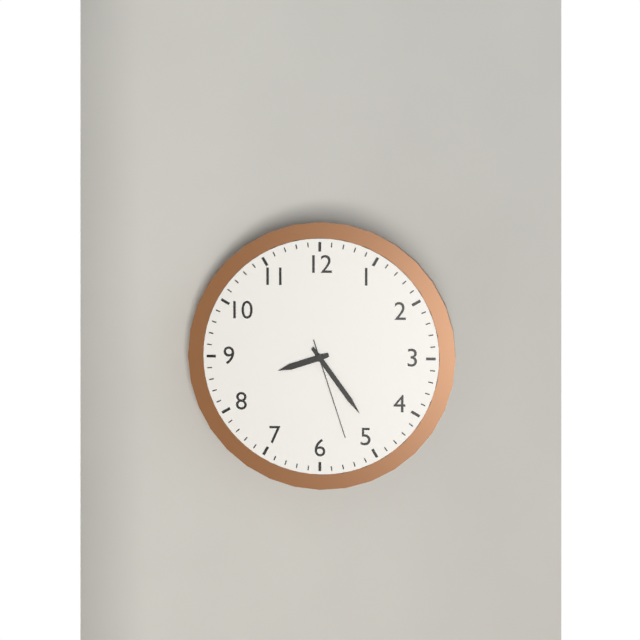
h=8 m=24 s=27
